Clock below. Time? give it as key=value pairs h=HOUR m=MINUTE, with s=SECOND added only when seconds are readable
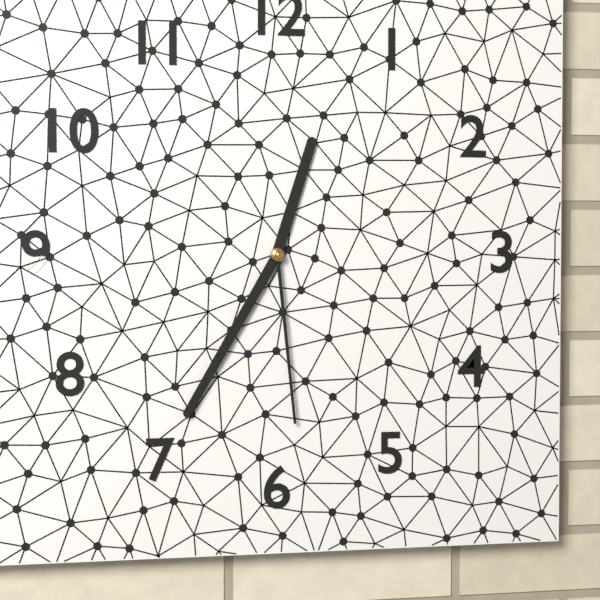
h=12 m=35 s=29
